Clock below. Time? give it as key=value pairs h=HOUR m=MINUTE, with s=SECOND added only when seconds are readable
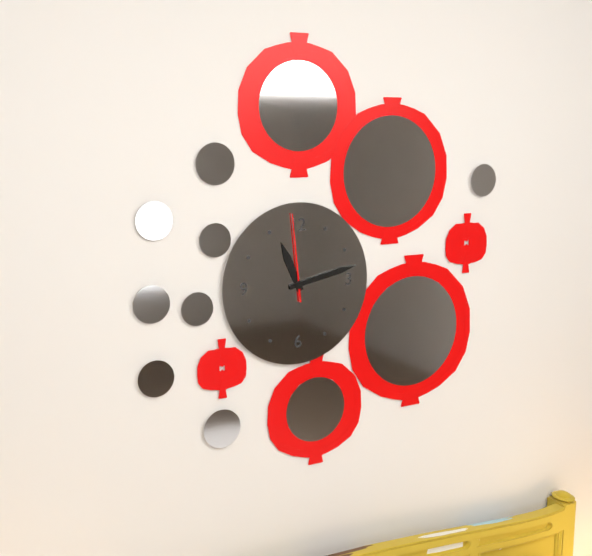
h=11 m=13 s=59
